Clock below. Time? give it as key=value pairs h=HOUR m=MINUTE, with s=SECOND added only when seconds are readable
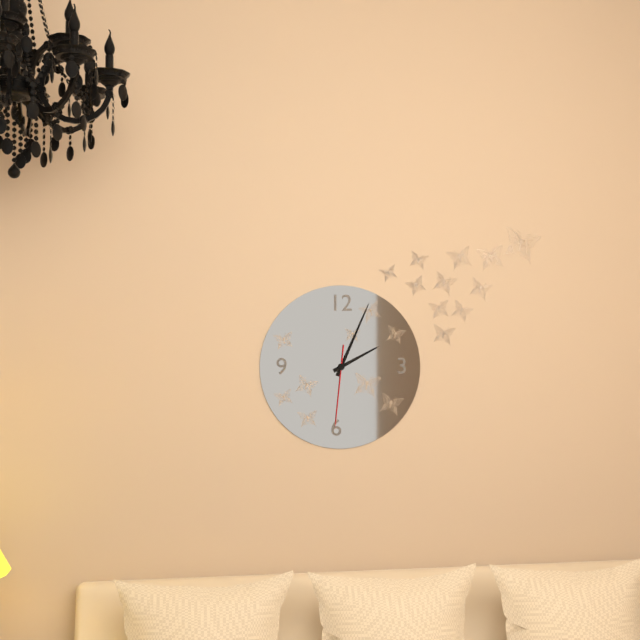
h=2 m=4 s=31
